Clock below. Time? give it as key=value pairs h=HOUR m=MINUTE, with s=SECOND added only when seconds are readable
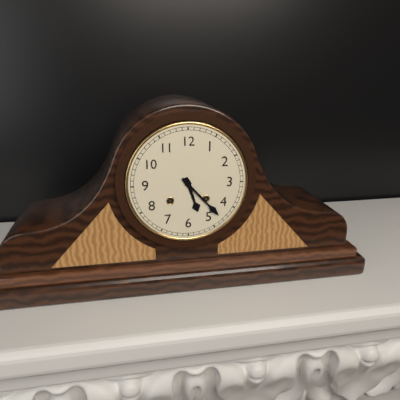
h=5 m=23
